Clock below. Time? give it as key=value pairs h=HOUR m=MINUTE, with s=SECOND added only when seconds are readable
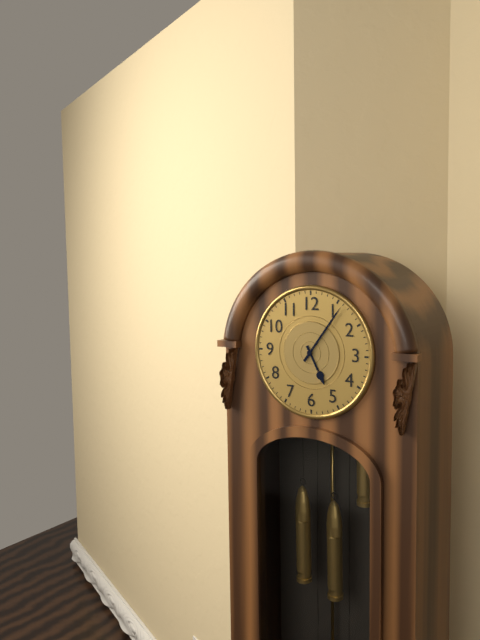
h=5 m=6
